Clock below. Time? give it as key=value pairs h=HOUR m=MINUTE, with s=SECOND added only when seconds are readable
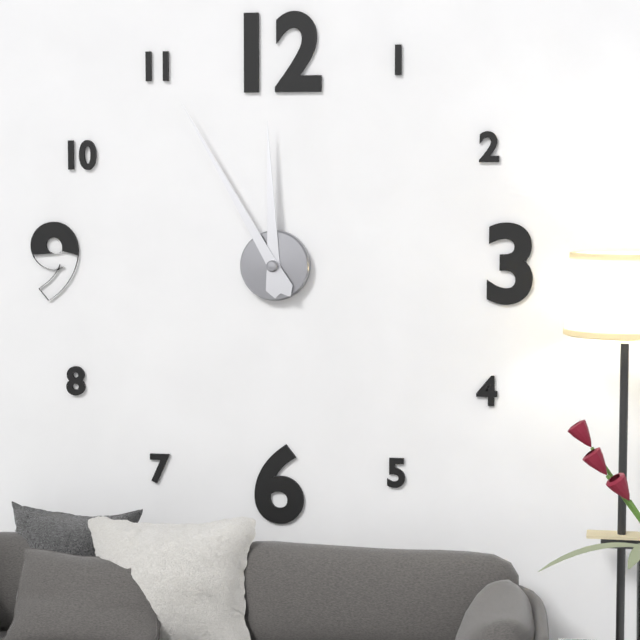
h=11 m=55
